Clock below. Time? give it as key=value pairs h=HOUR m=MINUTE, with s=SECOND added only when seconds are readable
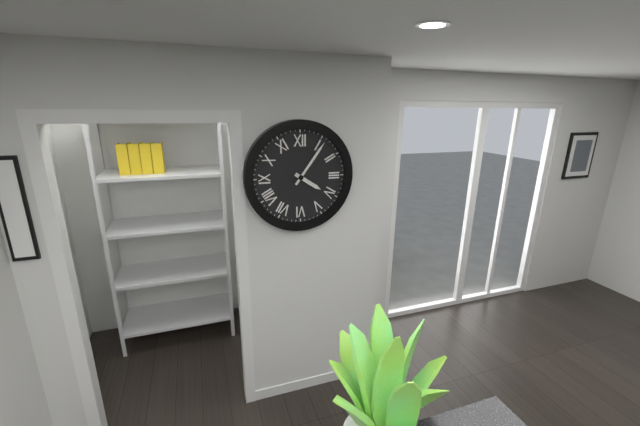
h=4 m=6
